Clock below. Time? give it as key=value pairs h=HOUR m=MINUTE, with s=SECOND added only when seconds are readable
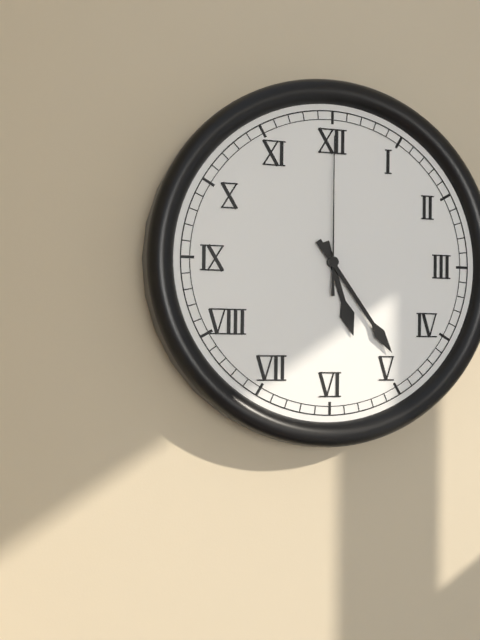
h=5 m=24 s=0
